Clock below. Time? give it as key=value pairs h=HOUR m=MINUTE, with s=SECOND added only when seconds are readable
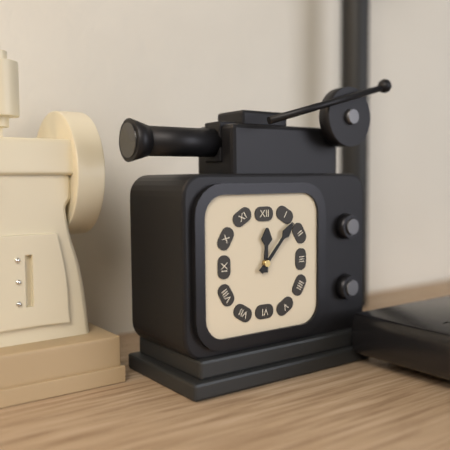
h=12 m=7
